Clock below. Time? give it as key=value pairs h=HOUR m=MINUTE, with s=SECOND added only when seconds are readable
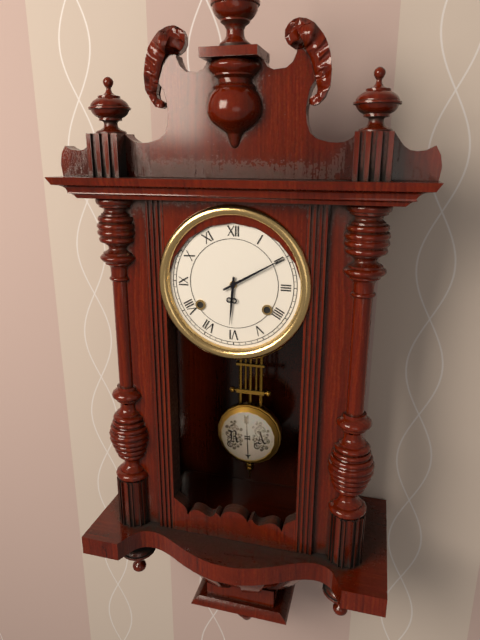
h=6 m=10
